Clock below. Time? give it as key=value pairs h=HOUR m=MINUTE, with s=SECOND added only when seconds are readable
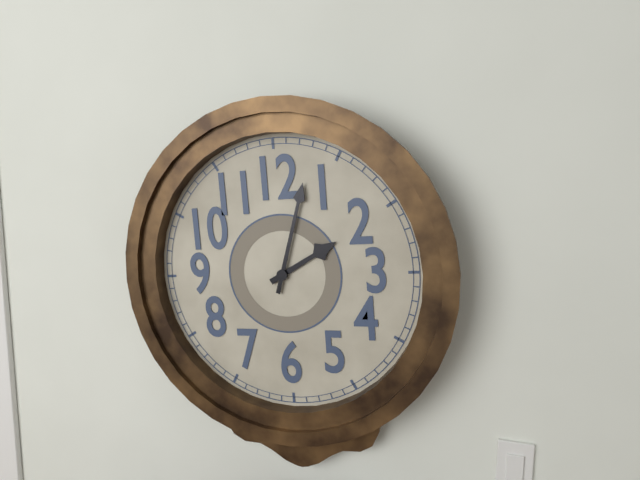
h=2 m=3
